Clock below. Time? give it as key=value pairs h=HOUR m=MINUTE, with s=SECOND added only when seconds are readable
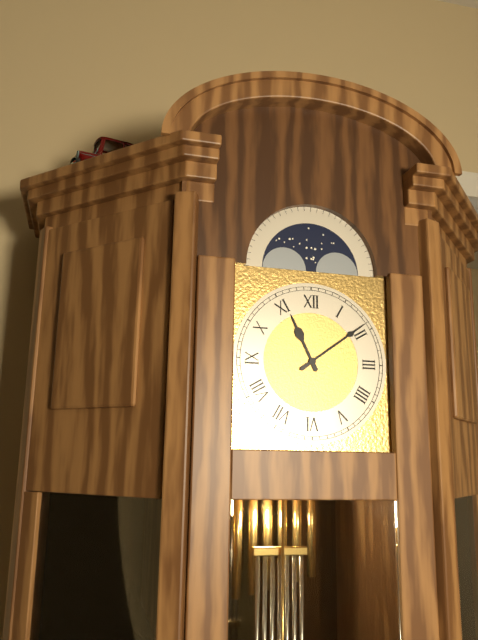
h=11 m=9
